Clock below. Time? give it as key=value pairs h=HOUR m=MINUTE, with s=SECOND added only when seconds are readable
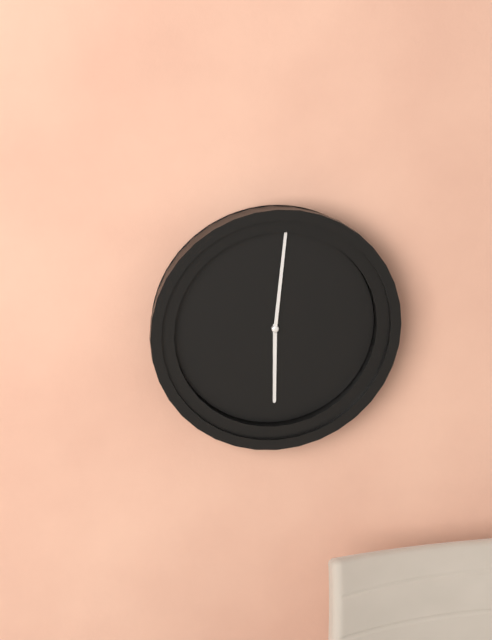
h=6 m=1
